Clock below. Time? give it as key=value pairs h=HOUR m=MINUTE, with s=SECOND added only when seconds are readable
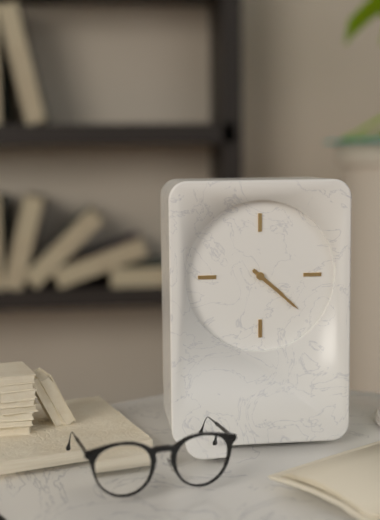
h=4 m=22
